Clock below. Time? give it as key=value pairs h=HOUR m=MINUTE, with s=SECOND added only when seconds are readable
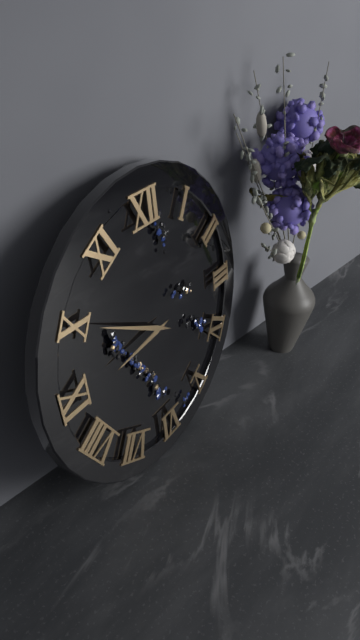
h=8 m=50
